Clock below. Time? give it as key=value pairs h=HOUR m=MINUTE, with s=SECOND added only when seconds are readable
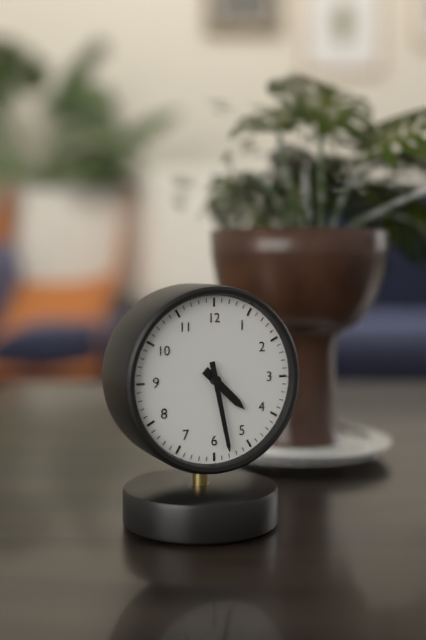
h=4 m=28
